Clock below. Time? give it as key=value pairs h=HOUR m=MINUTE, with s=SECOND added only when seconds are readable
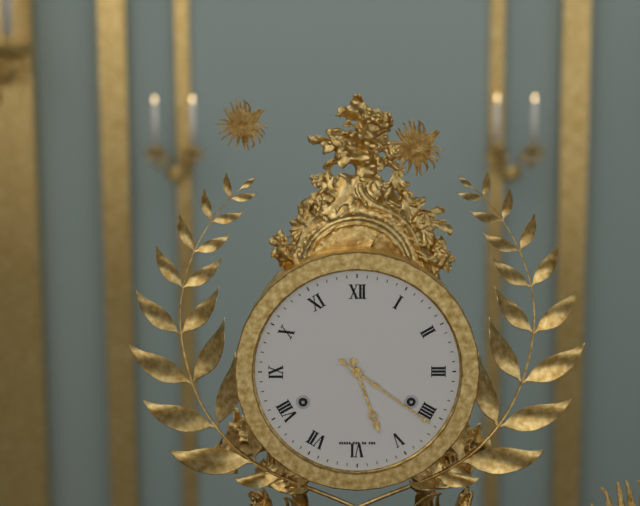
h=5 m=21
